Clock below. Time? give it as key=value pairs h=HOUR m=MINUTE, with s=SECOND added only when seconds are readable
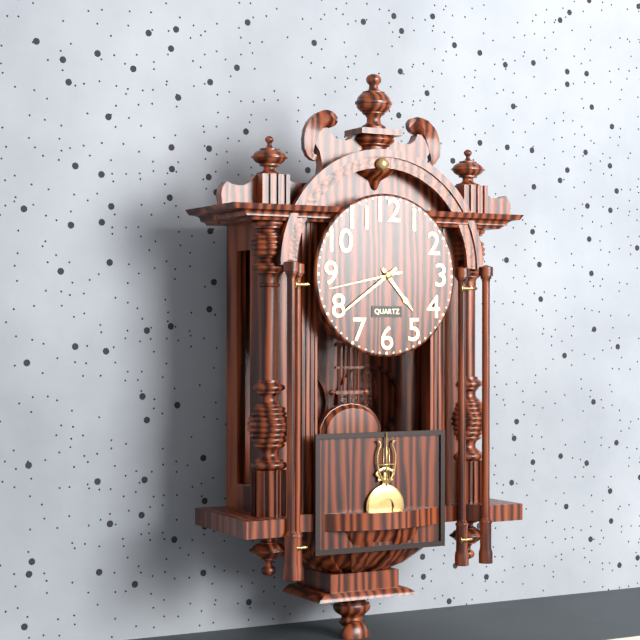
h=4 m=39 s=43
